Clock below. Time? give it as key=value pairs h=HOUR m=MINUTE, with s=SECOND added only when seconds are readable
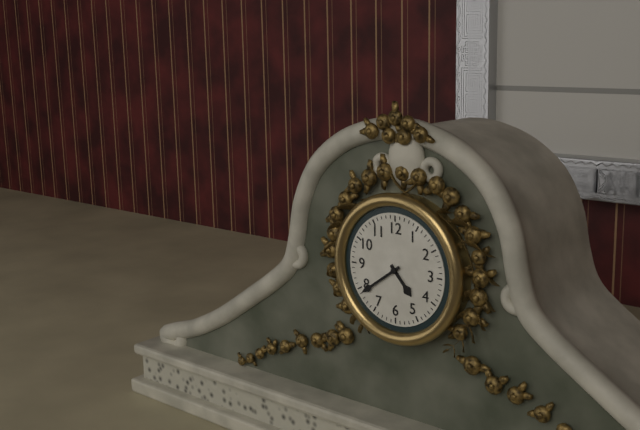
h=4 m=39
